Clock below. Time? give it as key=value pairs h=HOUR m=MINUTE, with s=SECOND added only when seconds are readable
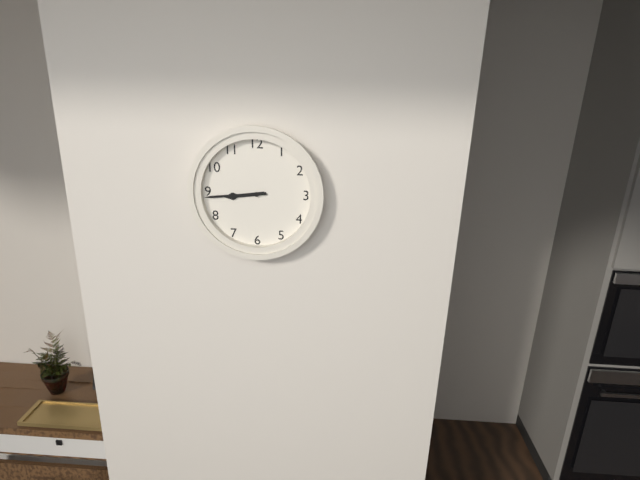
h=8 m=44
